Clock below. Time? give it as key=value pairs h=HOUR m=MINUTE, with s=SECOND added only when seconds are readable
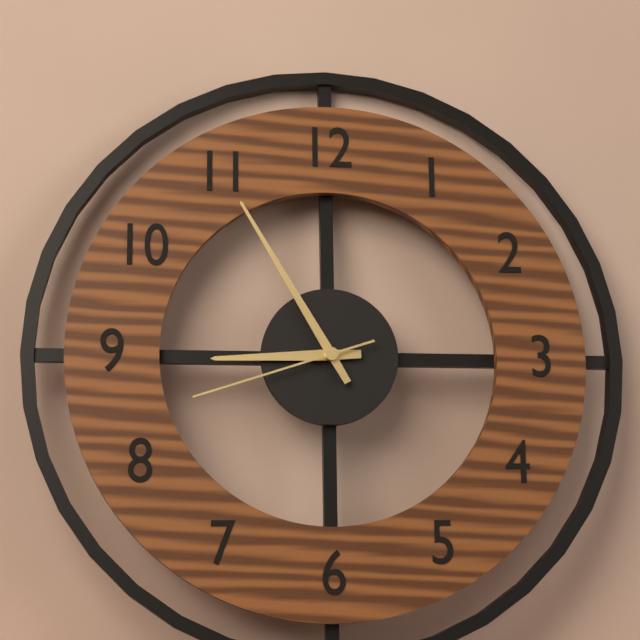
h=8 m=55 s=42
